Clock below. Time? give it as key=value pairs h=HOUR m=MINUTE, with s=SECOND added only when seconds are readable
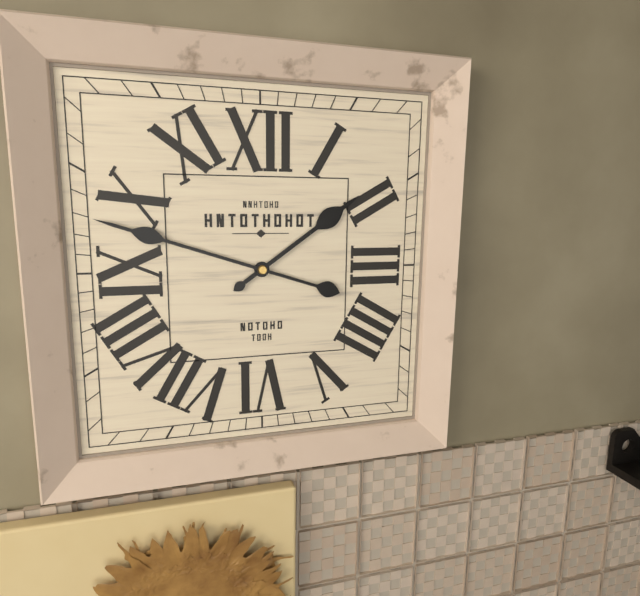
h=1 m=48
